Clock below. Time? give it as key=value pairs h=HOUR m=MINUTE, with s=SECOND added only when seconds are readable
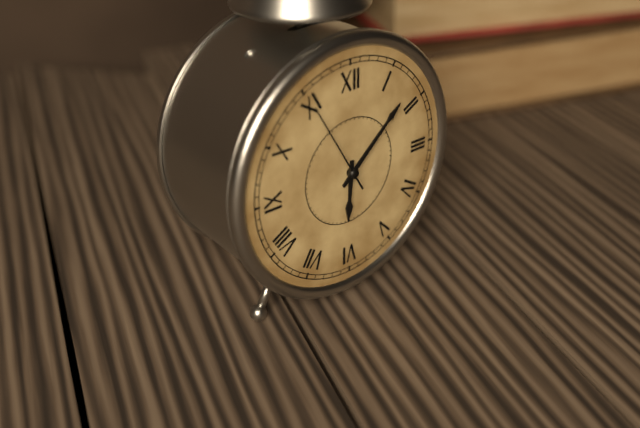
h=6 m=8 s=55
